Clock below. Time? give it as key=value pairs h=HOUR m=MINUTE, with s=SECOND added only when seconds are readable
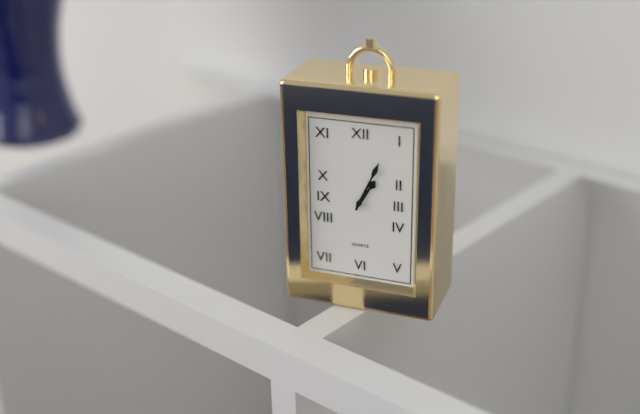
h=1 m=4
